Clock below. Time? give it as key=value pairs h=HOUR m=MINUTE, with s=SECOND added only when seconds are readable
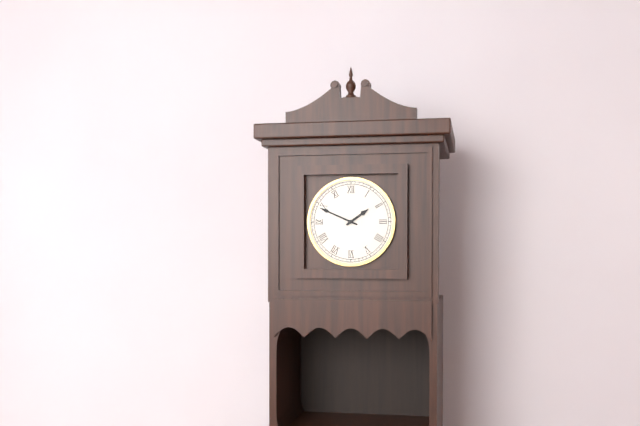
h=1 m=49
